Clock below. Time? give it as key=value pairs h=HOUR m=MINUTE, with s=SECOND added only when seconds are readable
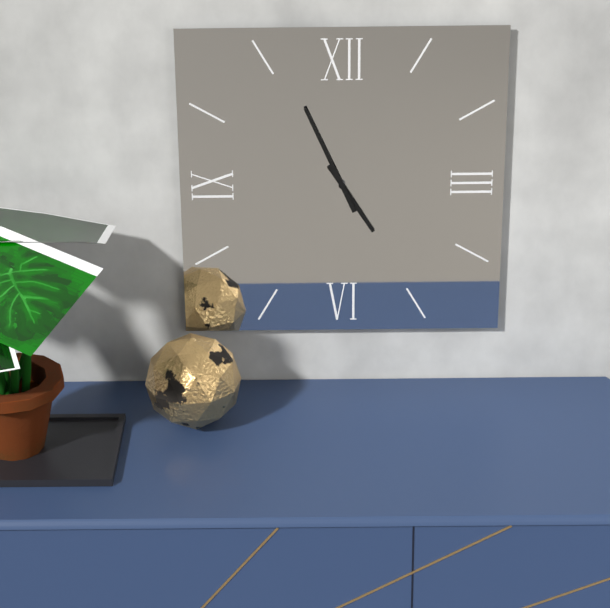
h=4 m=56
